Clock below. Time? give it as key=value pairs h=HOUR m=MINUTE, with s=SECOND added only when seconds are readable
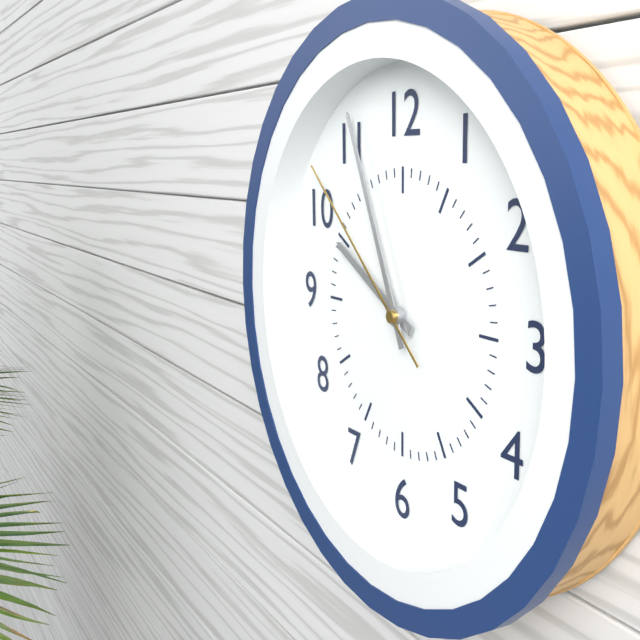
h=9 m=56 s=52
